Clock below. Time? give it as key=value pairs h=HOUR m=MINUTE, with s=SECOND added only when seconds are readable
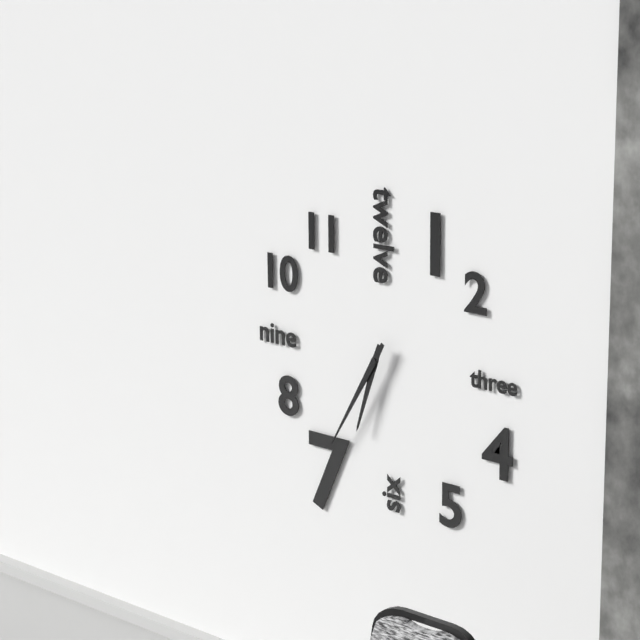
h=6 m=35
